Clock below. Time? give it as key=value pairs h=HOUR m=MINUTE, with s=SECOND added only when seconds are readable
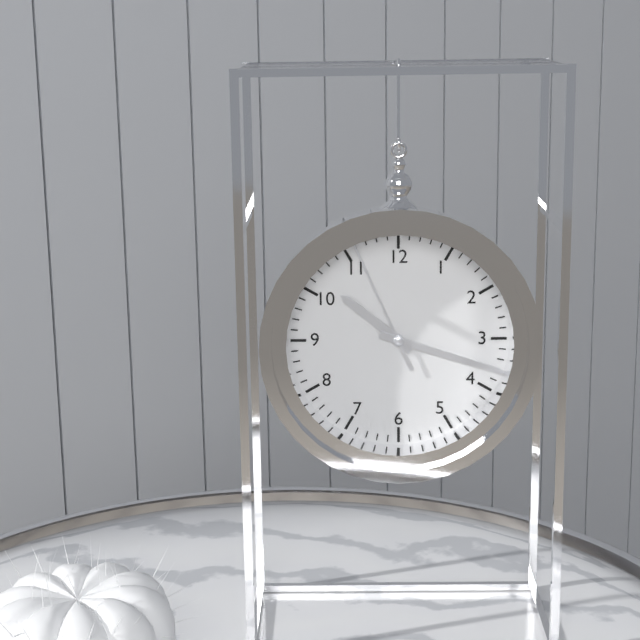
h=10 m=18 s=56
